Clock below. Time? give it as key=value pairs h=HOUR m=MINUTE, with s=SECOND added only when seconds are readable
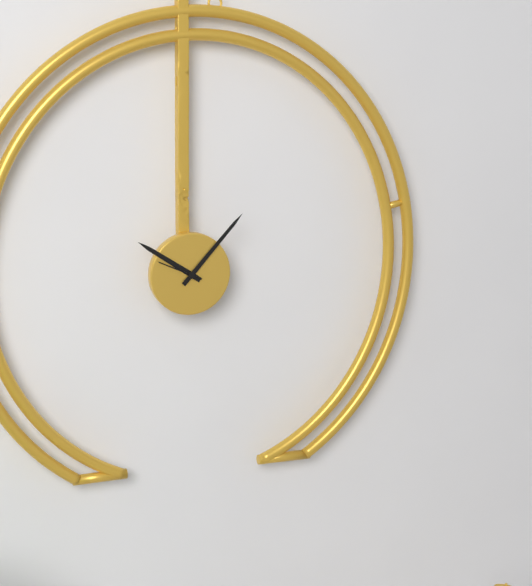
h=10 m=7
